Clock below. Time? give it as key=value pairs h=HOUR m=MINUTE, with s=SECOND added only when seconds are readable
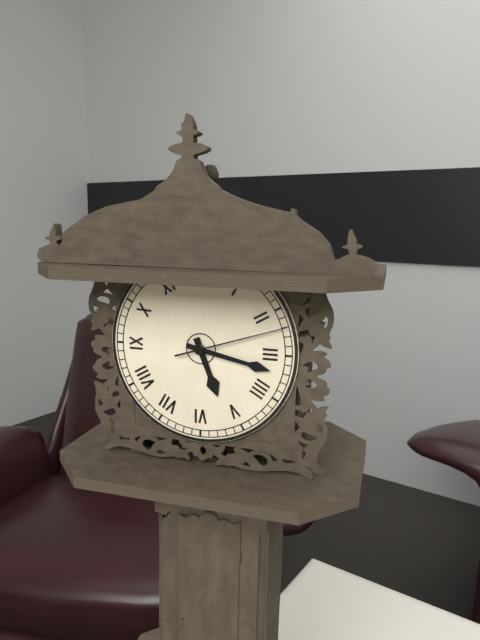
h=5 m=17 s=12
